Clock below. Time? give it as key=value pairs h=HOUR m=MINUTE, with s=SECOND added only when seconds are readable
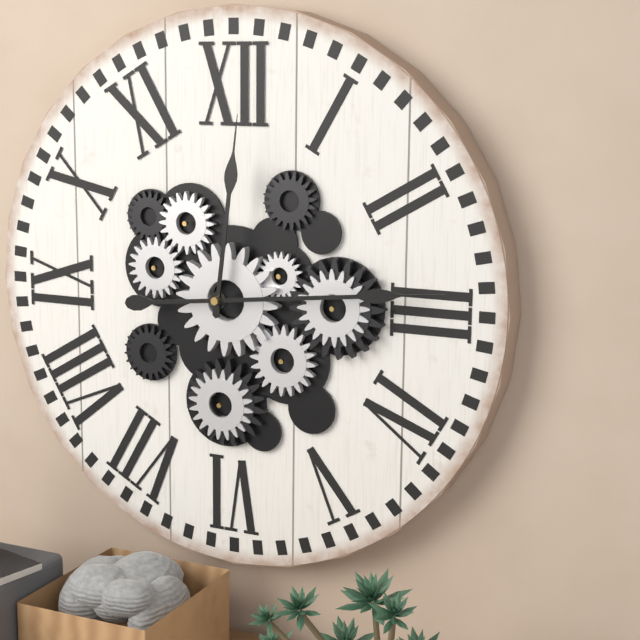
h=12 m=14
